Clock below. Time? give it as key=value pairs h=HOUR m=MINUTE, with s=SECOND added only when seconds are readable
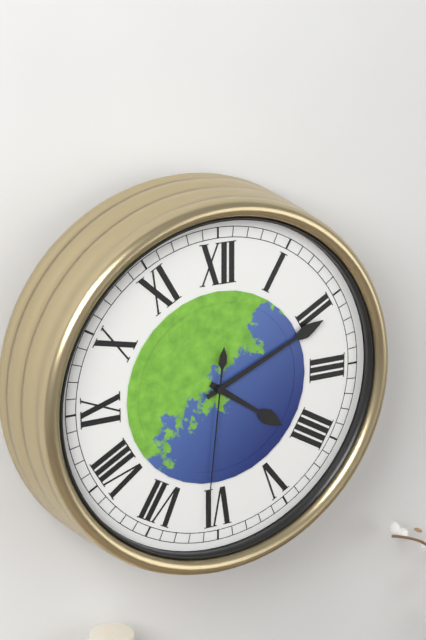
h=4 m=11 s=31
